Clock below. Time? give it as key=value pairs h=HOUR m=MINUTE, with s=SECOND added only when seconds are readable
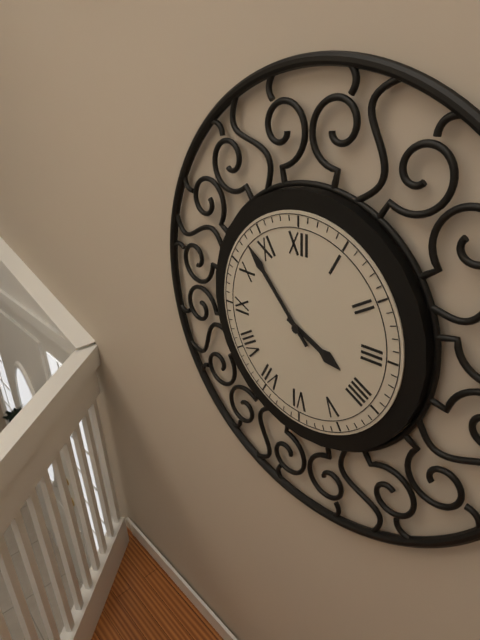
h=3 m=53
